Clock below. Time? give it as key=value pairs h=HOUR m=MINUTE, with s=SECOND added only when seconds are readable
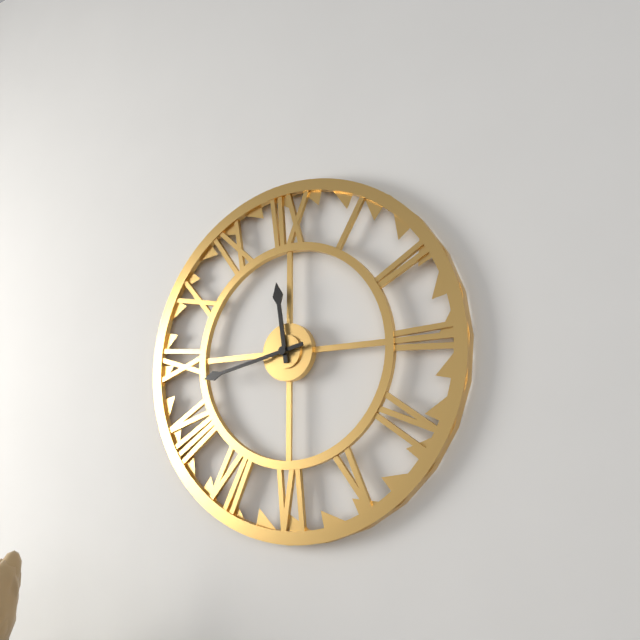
h=11 m=43
